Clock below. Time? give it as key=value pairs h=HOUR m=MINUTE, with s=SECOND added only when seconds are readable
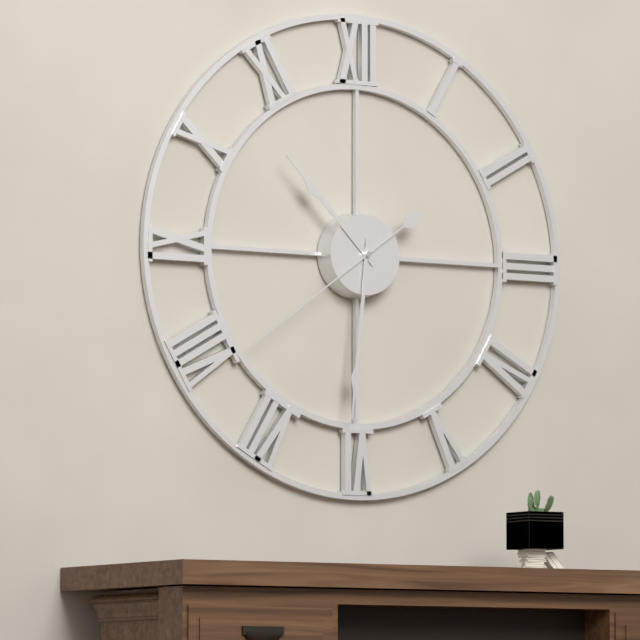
h=10 m=31 s=39
